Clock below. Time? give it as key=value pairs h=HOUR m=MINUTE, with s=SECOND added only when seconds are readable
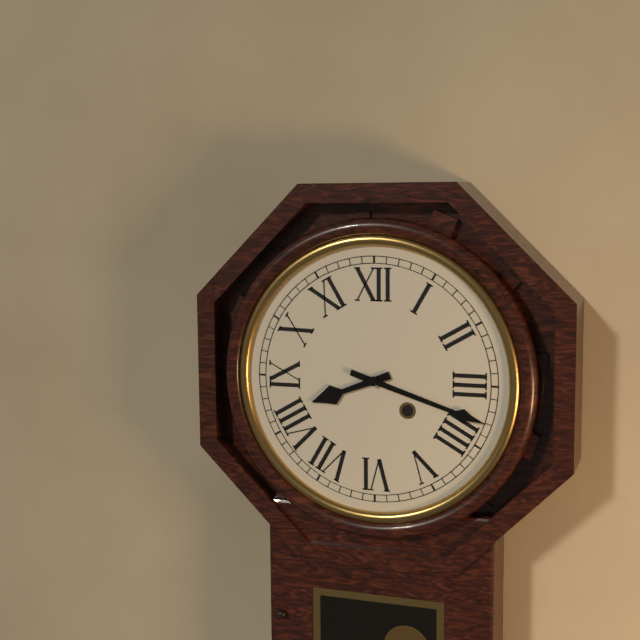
h=8 m=18
